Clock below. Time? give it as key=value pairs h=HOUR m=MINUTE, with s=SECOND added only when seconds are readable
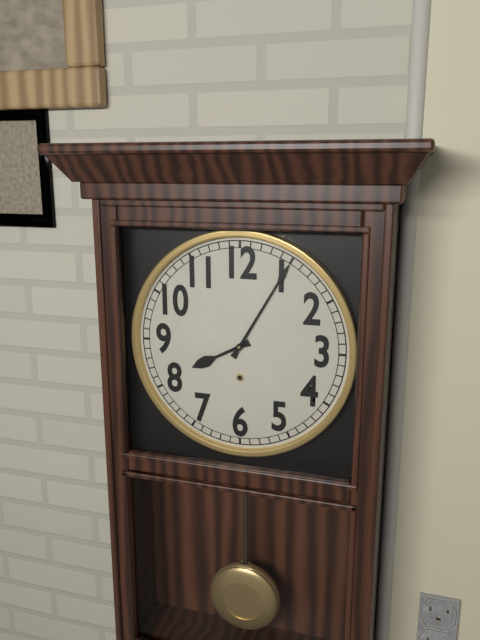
h=8 m=5
